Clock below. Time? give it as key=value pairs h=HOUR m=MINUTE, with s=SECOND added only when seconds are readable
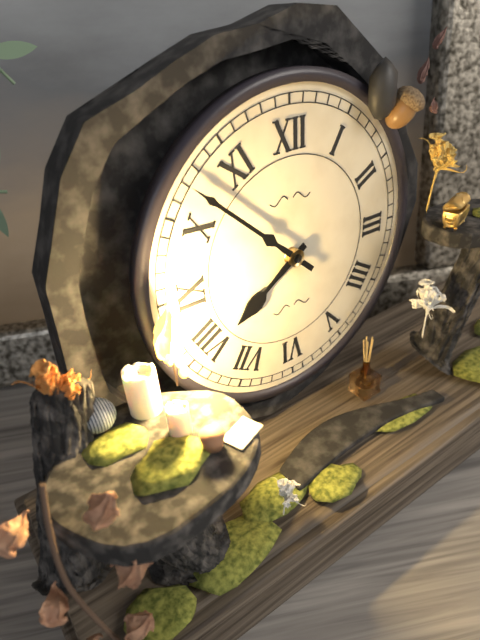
h=7 m=52
